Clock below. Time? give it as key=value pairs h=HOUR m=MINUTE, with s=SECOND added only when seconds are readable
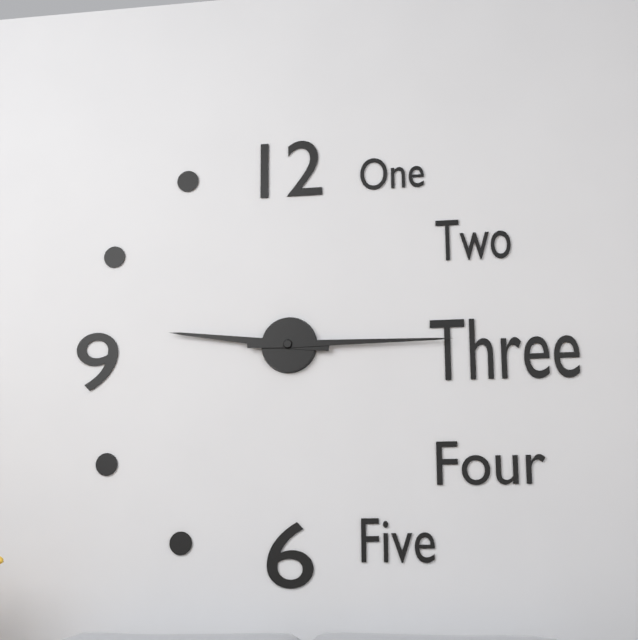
h=9 m=15
